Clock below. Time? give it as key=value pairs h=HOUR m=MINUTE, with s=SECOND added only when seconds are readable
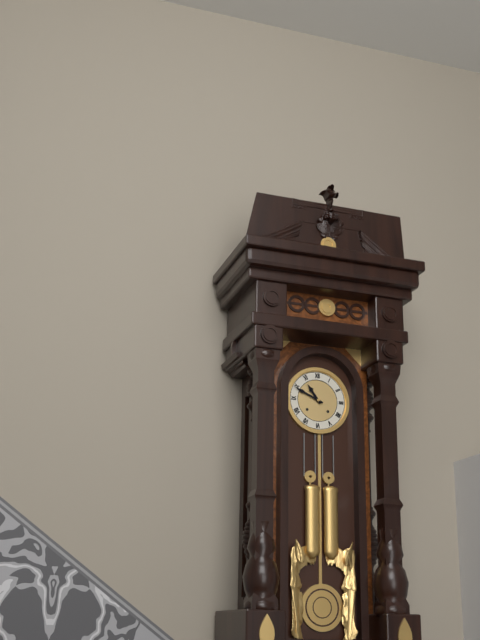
h=10 m=49
